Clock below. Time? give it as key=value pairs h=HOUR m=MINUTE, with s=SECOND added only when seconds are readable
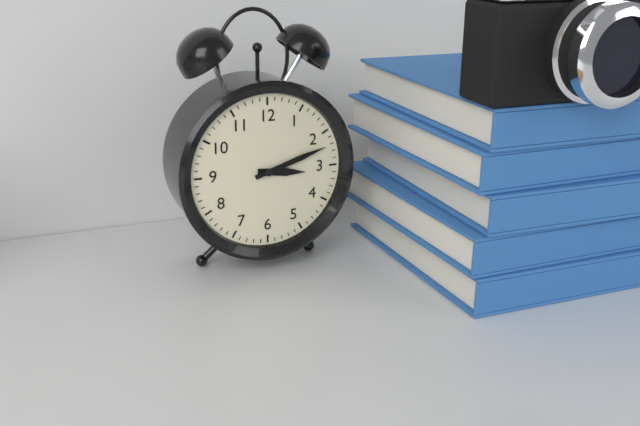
h=3 m=12
